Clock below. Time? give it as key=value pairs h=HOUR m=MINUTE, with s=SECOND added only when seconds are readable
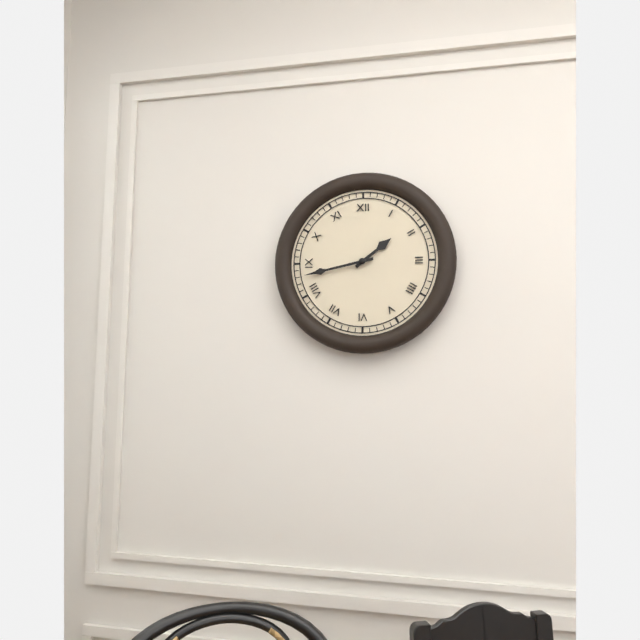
h=1 m=43
